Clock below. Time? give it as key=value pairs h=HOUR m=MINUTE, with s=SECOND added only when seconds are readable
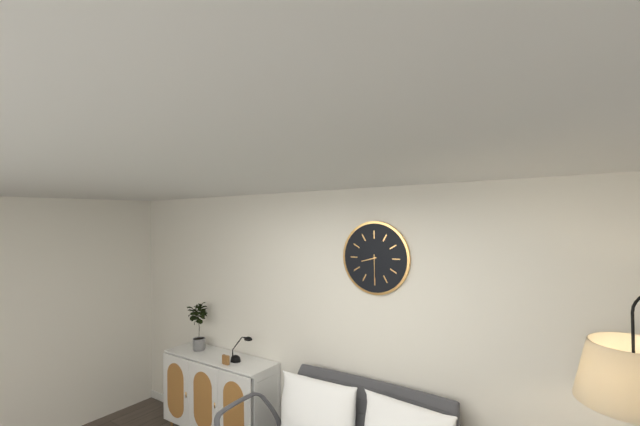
h=8 m=30
